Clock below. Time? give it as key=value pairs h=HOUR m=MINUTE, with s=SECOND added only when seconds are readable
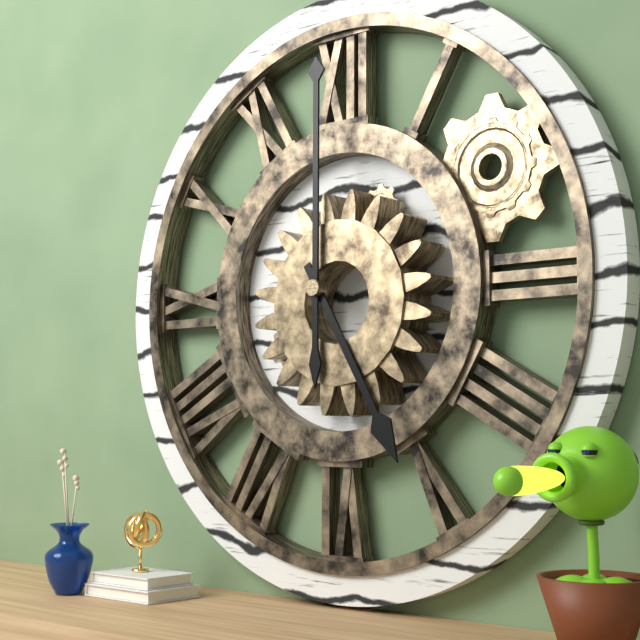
h=5 m=0
